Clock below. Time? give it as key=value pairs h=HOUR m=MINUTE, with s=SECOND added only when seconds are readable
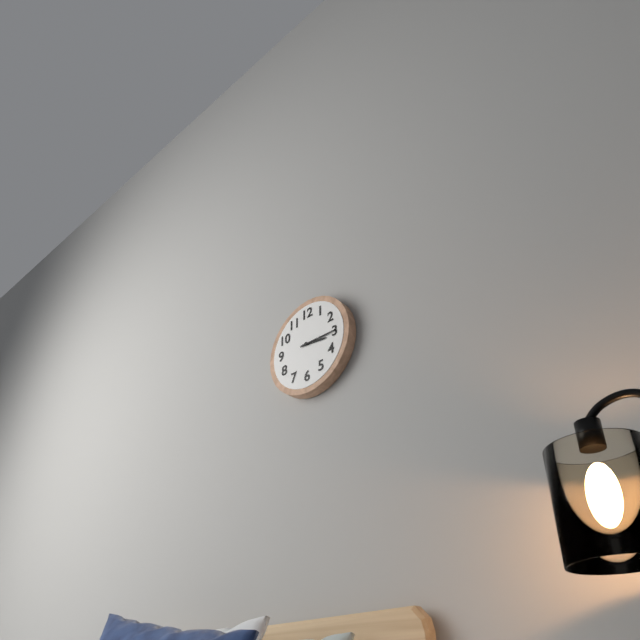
h=3 m=15
